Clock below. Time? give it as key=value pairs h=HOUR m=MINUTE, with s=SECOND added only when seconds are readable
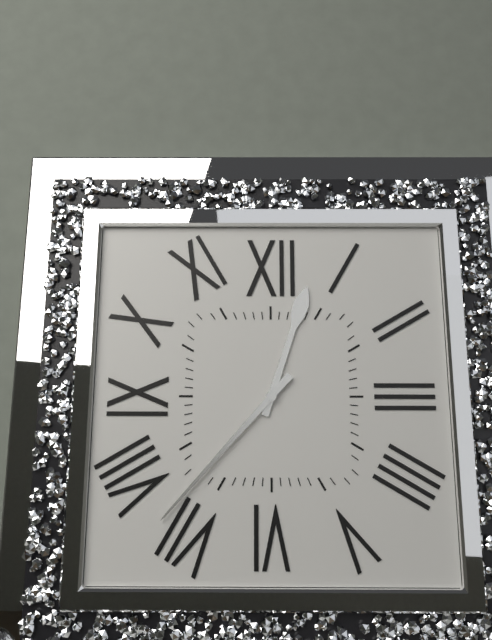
h=12 m=37
